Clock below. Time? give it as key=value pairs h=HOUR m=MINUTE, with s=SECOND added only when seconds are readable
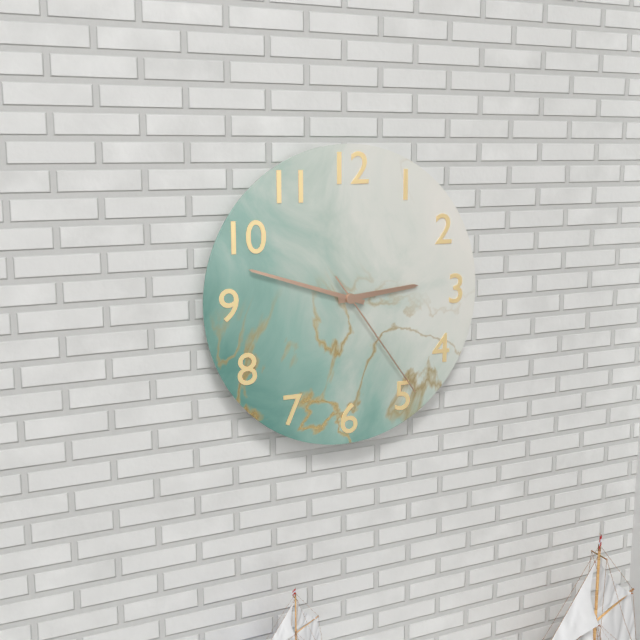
h=2 m=48 s=24
